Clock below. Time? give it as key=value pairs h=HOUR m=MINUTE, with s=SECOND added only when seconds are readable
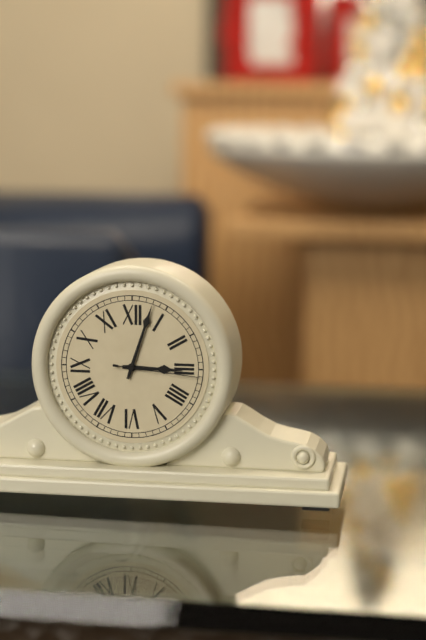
h=3 m=3 s=16
